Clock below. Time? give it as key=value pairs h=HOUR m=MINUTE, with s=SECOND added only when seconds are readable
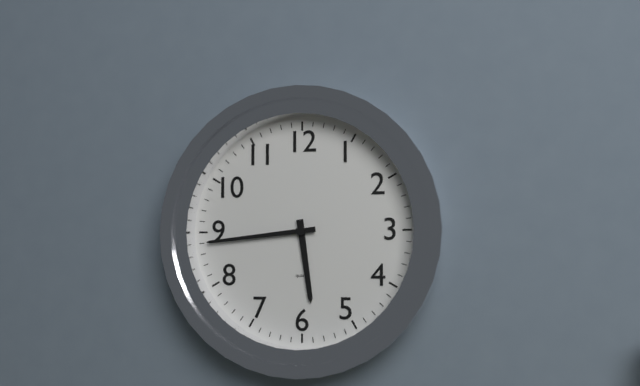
h=5 m=44
